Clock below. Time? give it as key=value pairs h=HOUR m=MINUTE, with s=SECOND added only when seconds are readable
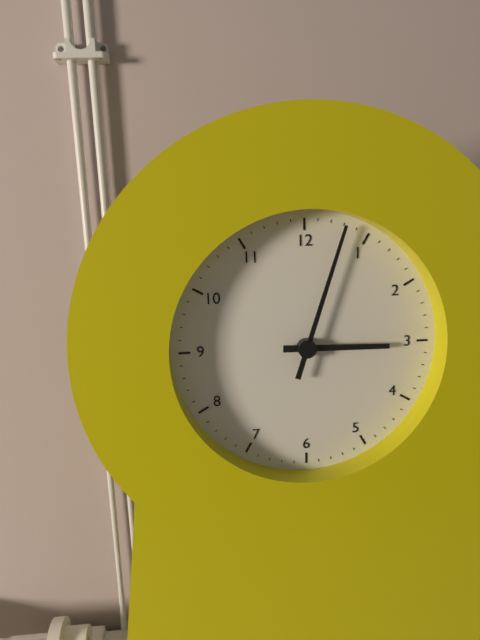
h=3 m=3
